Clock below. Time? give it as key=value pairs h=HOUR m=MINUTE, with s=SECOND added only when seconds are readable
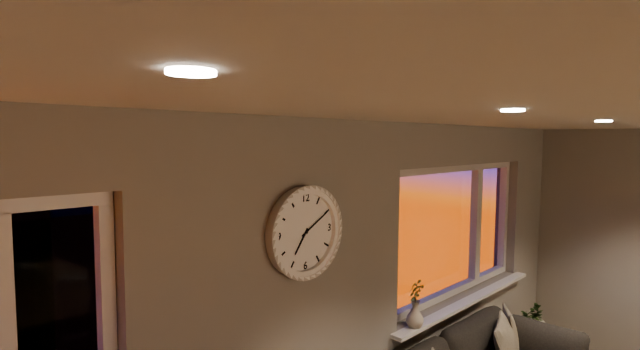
h=7 m=10
